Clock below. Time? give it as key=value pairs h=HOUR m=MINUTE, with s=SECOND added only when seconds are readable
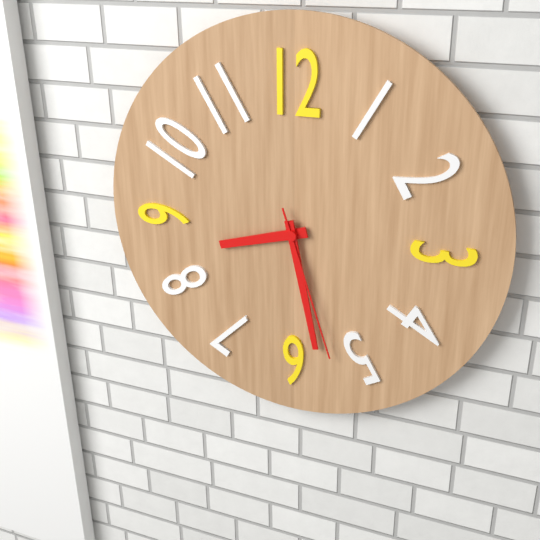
h=8 m=28 s=27
